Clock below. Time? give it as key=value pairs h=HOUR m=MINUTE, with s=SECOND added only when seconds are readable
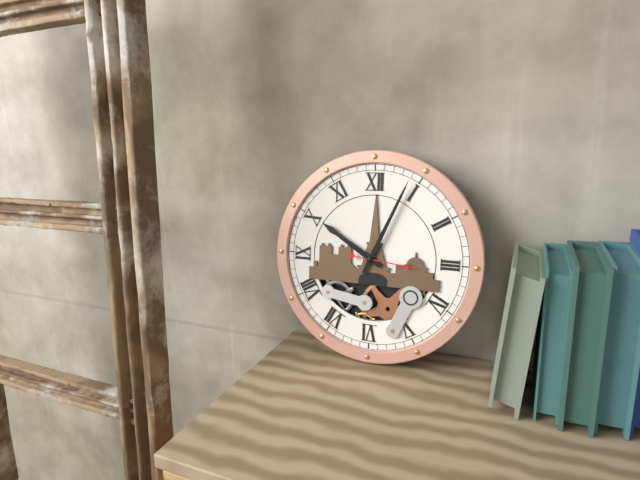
h=10 m=4 s=16
